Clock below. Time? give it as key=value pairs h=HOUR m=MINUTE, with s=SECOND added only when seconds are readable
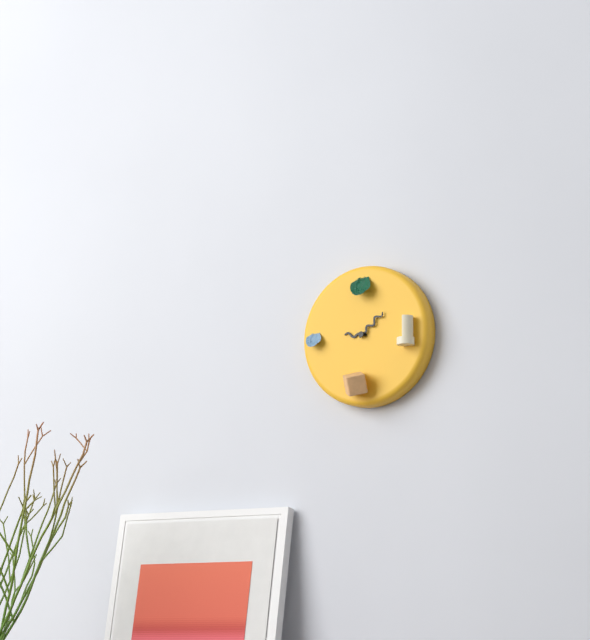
h=9 m=8
